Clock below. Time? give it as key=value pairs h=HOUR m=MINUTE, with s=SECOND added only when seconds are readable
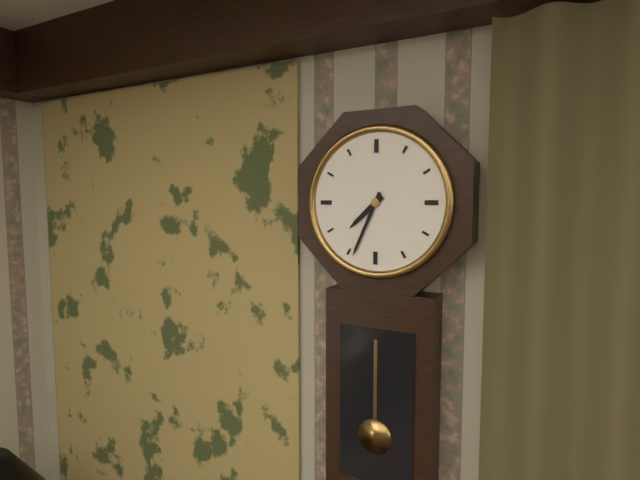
h=7 m=34
